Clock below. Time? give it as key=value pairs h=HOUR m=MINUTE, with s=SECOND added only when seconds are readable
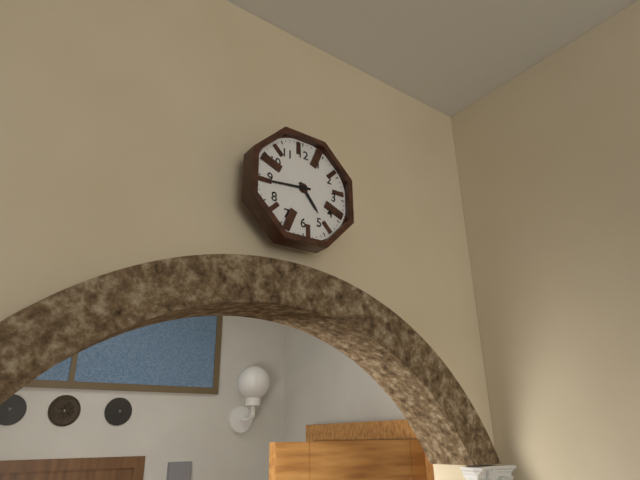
h=4 m=44
